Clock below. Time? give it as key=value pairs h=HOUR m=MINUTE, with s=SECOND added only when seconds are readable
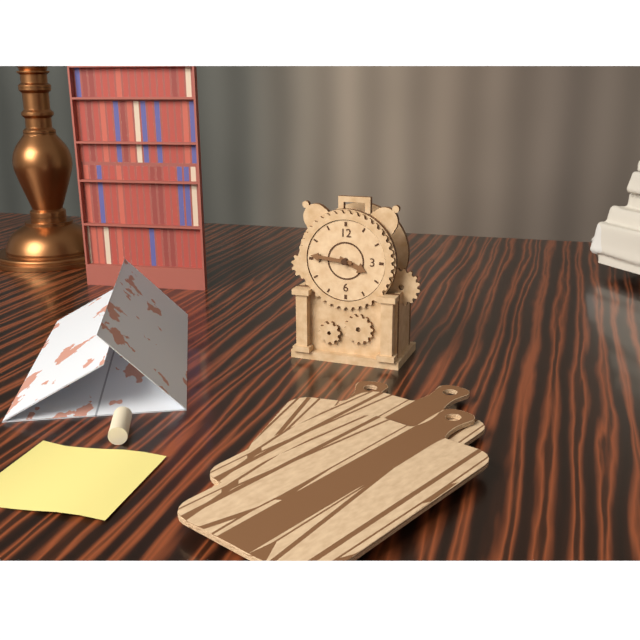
h=3 m=46
